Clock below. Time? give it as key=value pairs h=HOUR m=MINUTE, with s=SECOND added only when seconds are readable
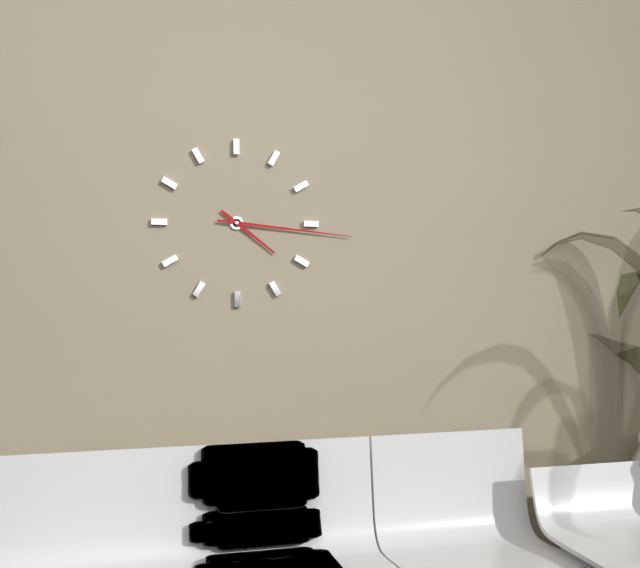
h=4 m=16
